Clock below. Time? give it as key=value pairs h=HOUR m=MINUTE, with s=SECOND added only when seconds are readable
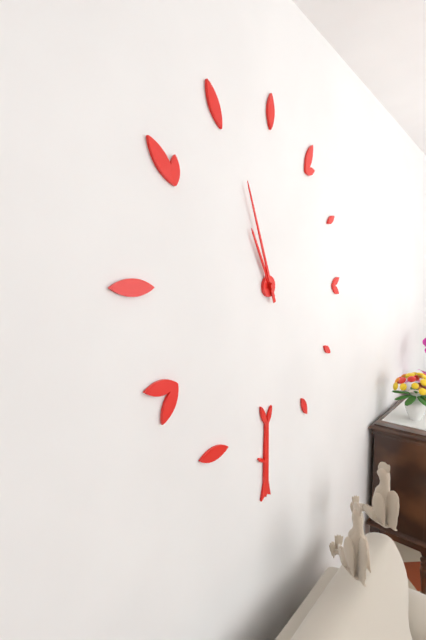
h=10 m=56
